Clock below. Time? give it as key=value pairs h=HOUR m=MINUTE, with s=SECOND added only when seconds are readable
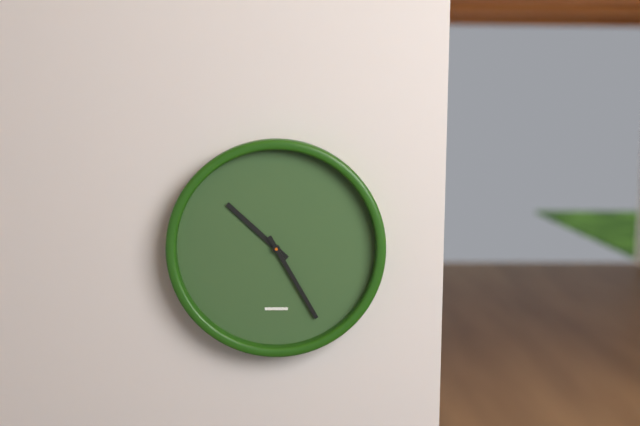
h=10 m=25
